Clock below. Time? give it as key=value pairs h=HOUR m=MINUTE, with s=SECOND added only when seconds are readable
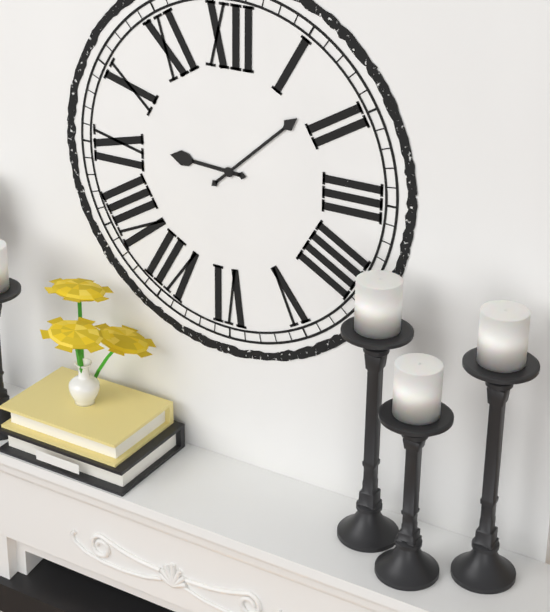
h=9 m=8
